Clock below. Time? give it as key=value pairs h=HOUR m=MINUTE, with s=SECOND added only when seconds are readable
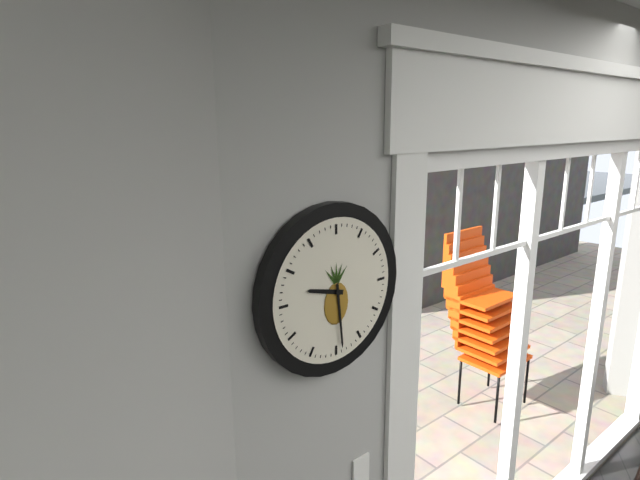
h=9 m=29
